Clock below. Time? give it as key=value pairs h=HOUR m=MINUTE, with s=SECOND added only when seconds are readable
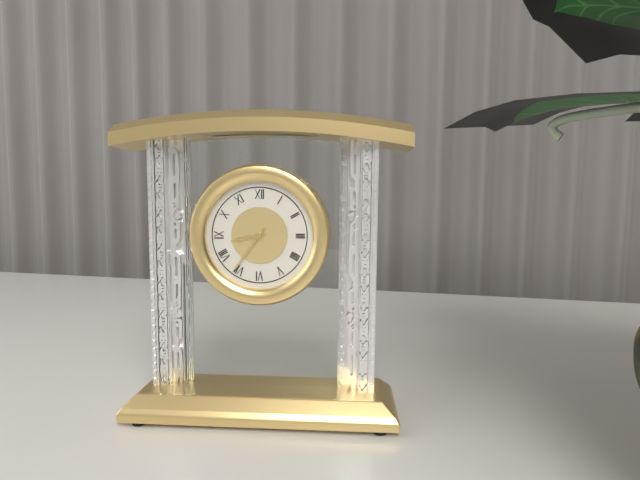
h=8 m=36
